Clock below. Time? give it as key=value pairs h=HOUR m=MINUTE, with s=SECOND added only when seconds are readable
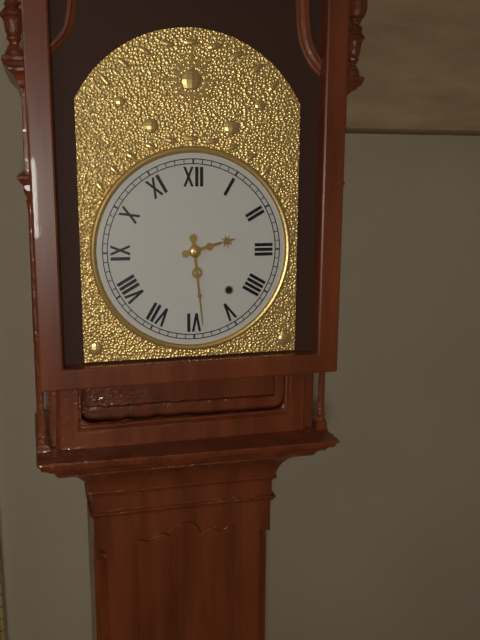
h=2 m=29
